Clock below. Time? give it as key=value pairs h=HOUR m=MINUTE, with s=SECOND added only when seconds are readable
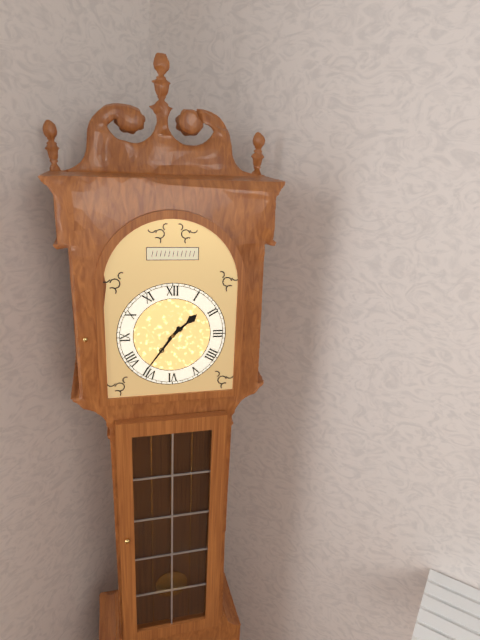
h=1 m=36
